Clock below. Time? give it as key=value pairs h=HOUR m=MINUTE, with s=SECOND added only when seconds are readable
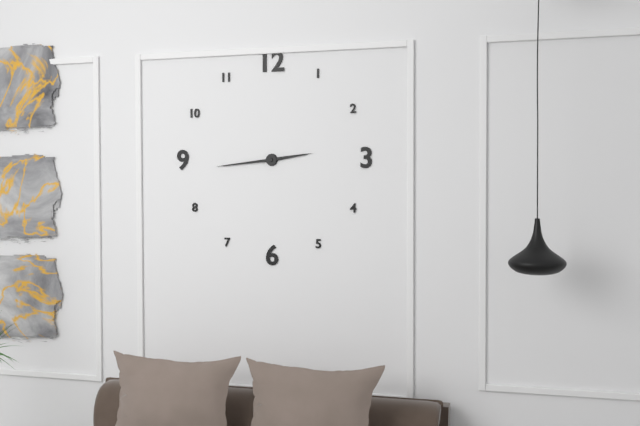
h=2 m=44
